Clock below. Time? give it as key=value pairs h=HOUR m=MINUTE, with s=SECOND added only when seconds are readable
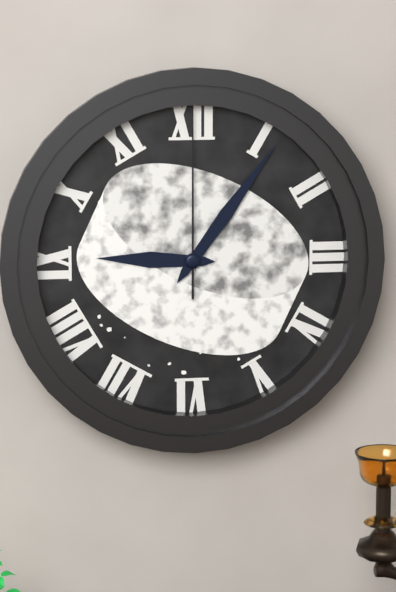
h=9 m=6 s=0
